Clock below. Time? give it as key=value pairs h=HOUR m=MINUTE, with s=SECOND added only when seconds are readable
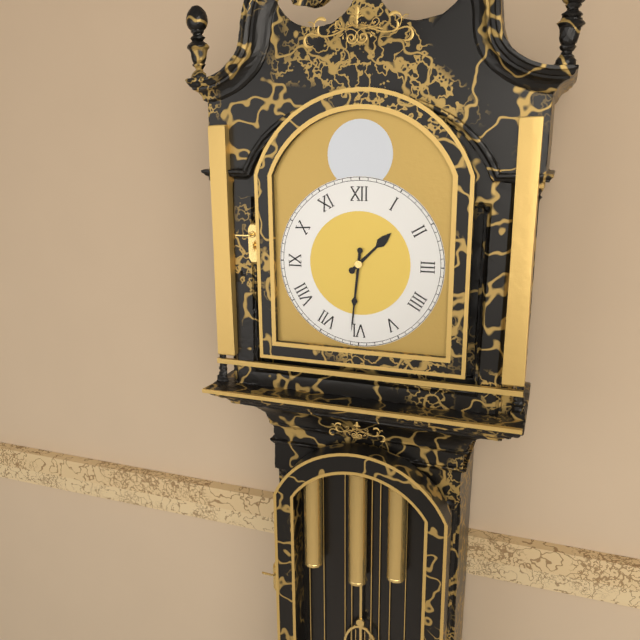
h=1 m=31
